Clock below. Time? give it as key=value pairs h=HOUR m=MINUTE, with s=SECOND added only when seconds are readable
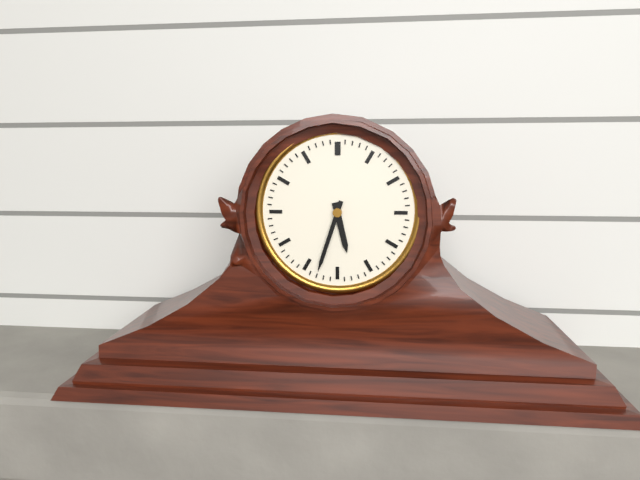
h=5 m=33
